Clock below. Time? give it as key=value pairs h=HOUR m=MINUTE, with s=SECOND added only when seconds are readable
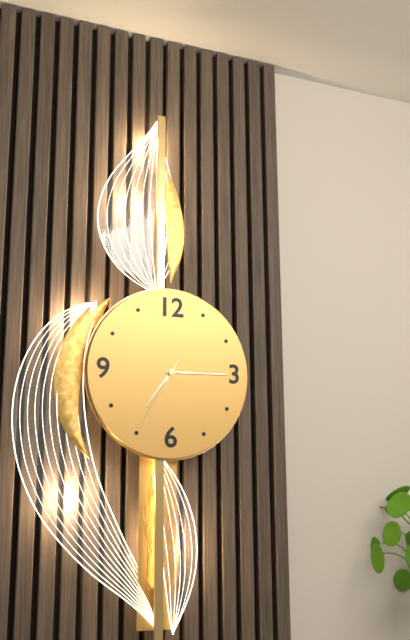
h=7 m=15 s=35
